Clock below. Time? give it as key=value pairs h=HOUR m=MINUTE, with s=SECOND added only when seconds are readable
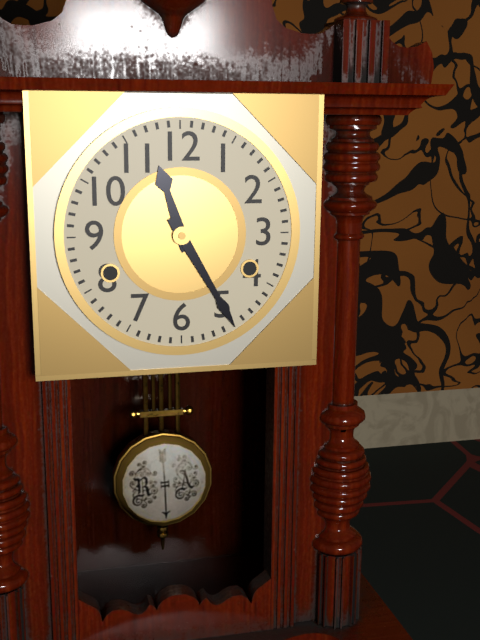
h=11 m=25
